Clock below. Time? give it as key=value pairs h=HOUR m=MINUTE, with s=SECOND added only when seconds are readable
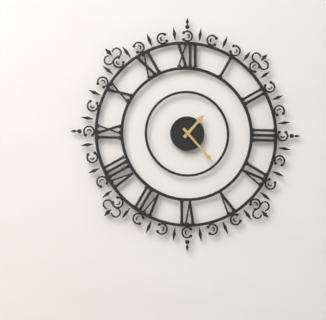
h=1 m=23
